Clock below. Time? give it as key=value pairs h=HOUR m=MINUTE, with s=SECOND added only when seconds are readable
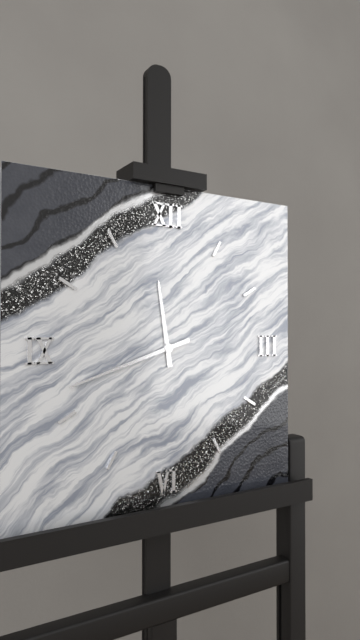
h=11 m=42
